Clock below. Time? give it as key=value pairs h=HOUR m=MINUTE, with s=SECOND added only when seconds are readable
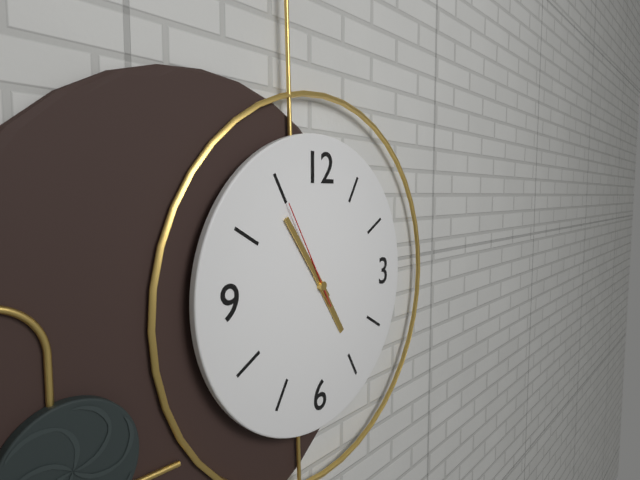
h=4 m=54 s=55
